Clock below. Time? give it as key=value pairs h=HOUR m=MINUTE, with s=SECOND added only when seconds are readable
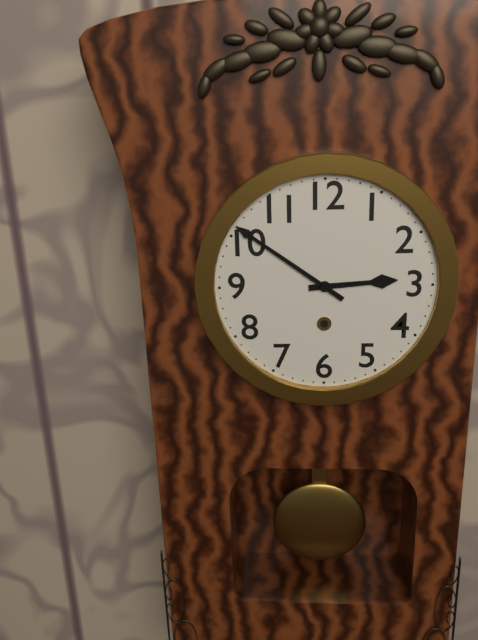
h=2 m=51
